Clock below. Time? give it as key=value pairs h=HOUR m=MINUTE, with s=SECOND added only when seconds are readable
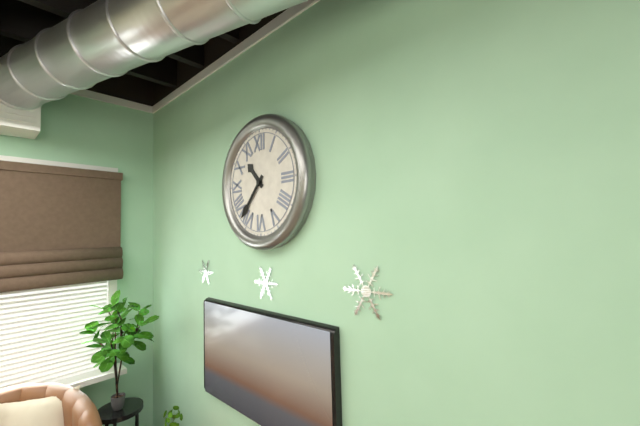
h=10 m=37
